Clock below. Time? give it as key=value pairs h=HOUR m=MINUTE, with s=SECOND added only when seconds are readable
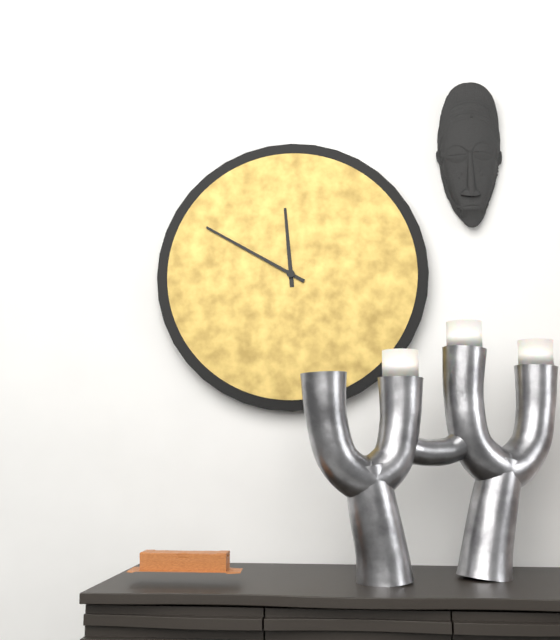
h=11 m=50
